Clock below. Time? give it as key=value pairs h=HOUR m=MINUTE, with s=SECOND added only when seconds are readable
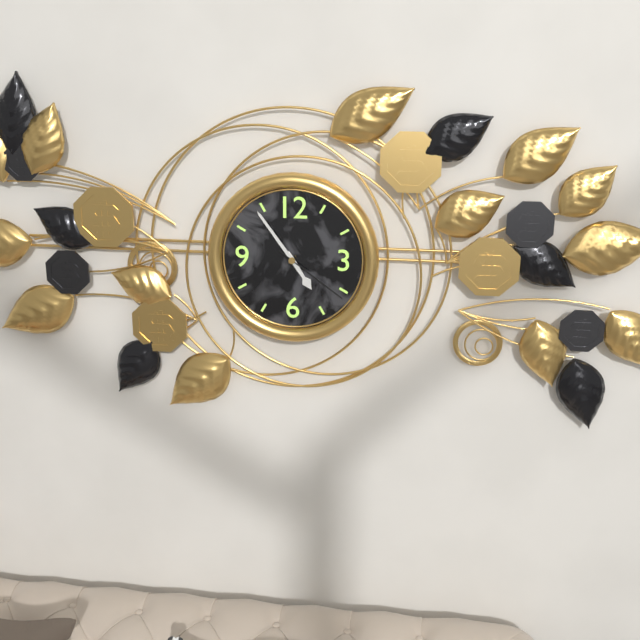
h=4 m=54 s=21
